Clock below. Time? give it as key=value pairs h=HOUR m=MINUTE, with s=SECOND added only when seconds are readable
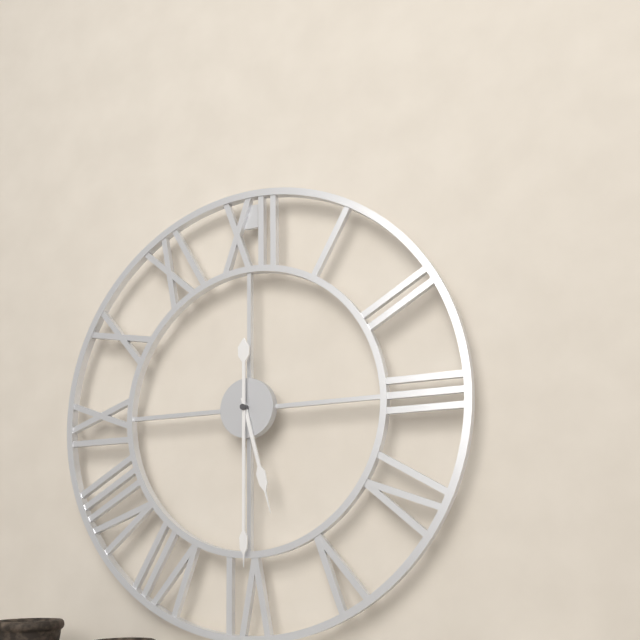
h=5 m=30
